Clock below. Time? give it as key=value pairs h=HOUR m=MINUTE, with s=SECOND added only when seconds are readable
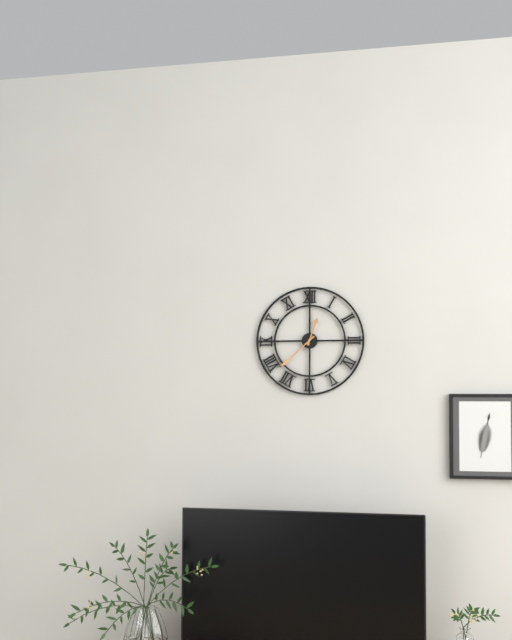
h=12 m=38
